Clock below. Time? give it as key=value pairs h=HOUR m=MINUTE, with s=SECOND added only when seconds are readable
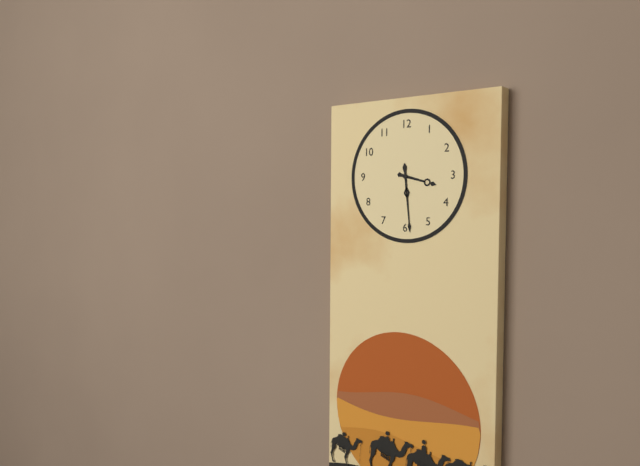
h=3 m=29
